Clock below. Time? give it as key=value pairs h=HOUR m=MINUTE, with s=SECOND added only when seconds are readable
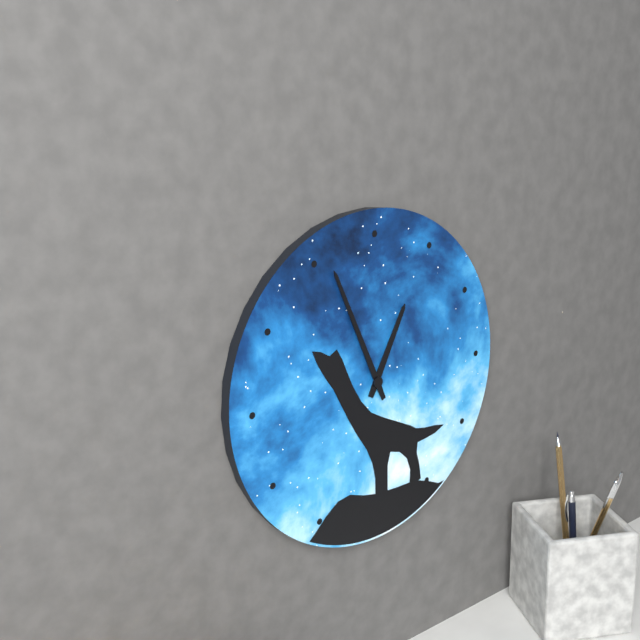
h=12 m=56
